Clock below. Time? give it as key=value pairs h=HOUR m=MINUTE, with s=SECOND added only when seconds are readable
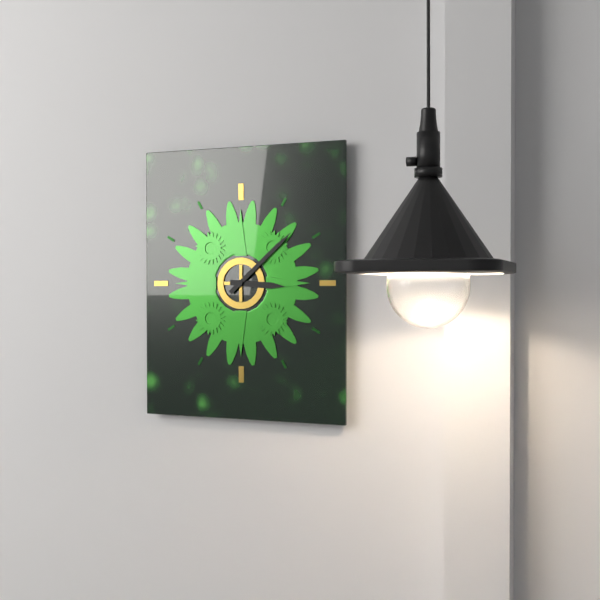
h=3 m=8
